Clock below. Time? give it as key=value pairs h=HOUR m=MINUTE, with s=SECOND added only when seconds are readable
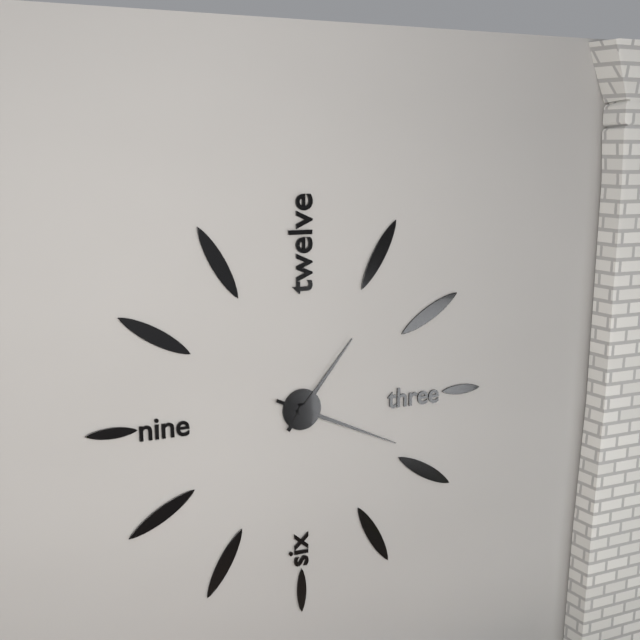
h=1 m=19
